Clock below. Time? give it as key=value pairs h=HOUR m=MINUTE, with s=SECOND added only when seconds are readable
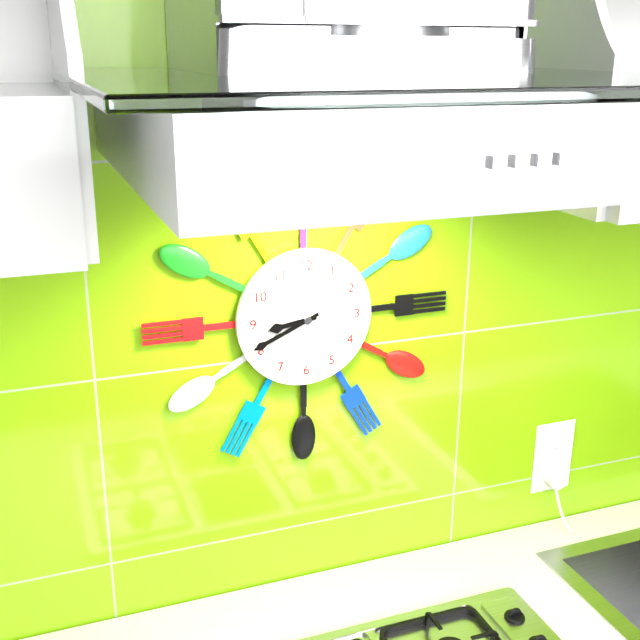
h=8 m=41
